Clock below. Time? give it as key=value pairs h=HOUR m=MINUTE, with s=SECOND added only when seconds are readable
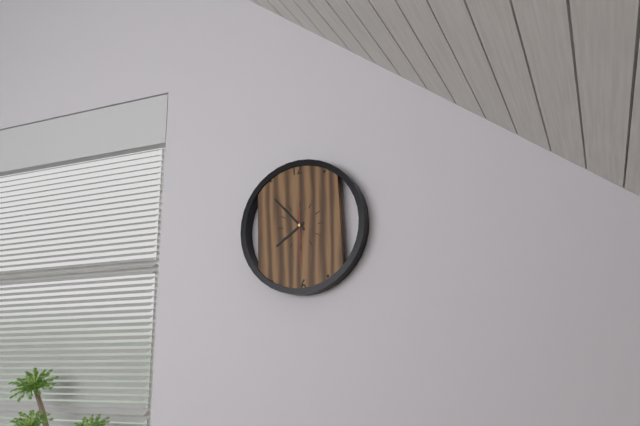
h=7 m=53 s=30
